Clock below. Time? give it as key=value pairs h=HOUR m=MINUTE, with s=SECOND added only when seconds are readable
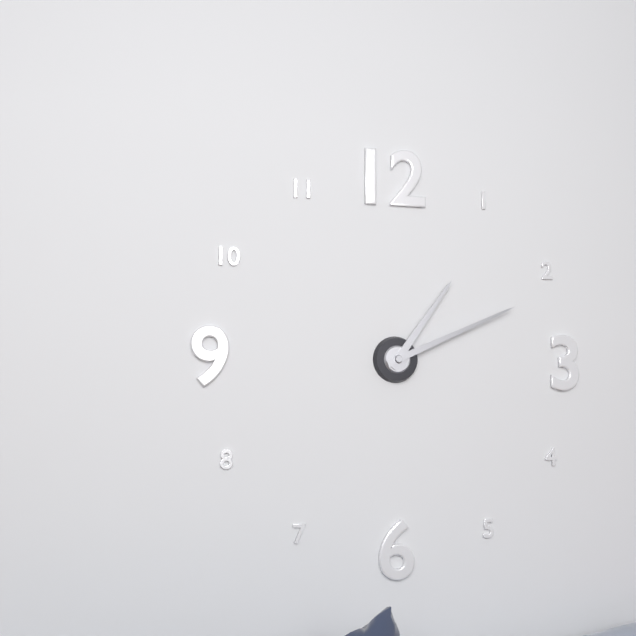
h=1 m=11
